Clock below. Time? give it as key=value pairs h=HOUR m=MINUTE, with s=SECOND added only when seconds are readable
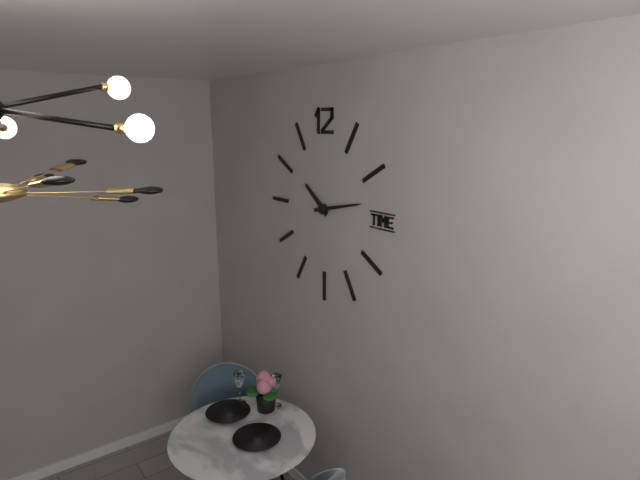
h=10 m=13
